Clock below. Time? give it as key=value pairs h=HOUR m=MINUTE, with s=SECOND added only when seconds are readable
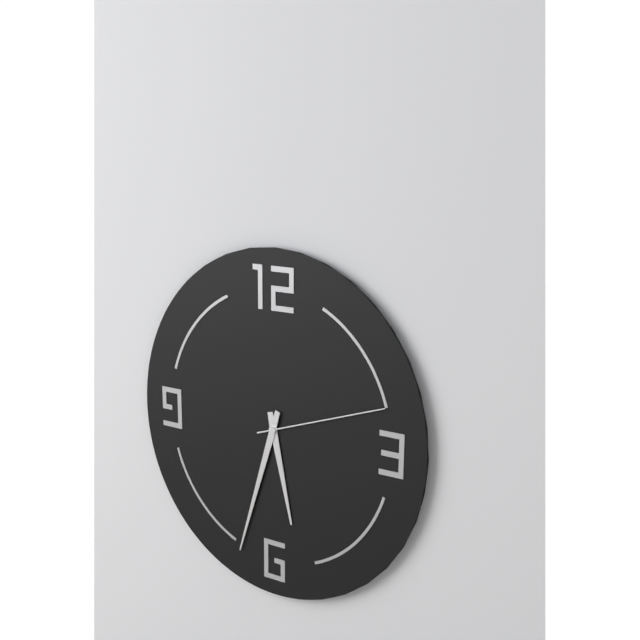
h=5 m=33 s=12
